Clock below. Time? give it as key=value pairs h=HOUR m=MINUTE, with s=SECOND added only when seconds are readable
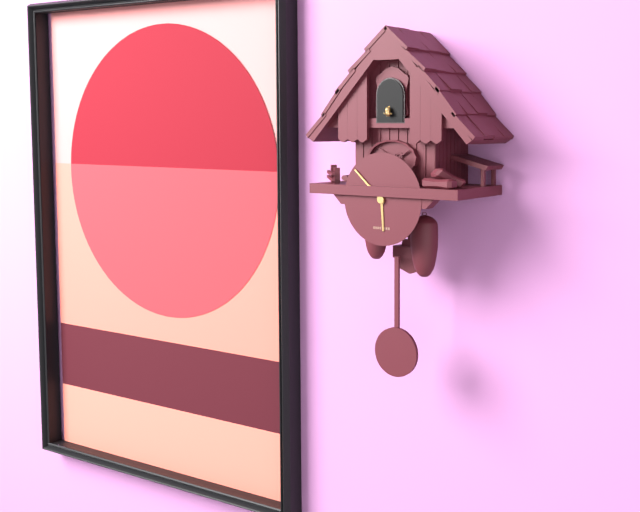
h=5 m=52
